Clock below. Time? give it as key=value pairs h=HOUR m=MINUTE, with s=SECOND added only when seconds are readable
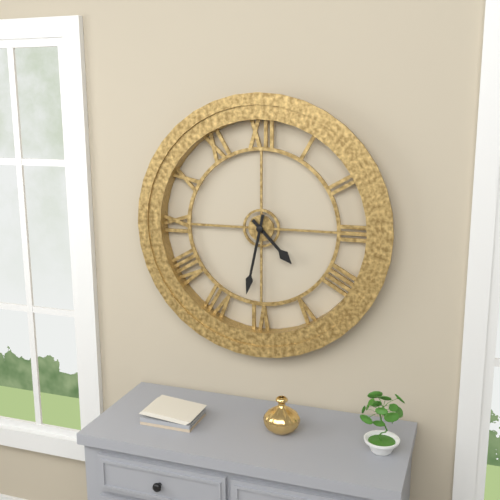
h=4 m=32
